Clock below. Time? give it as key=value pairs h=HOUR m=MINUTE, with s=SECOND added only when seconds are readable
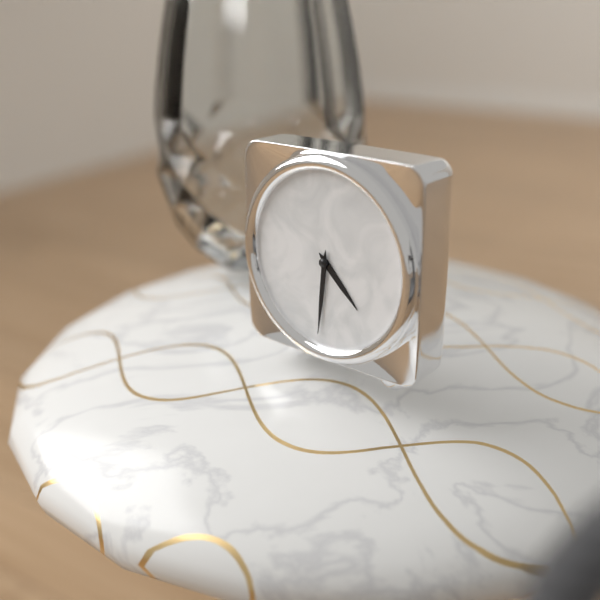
h=4 m=31
